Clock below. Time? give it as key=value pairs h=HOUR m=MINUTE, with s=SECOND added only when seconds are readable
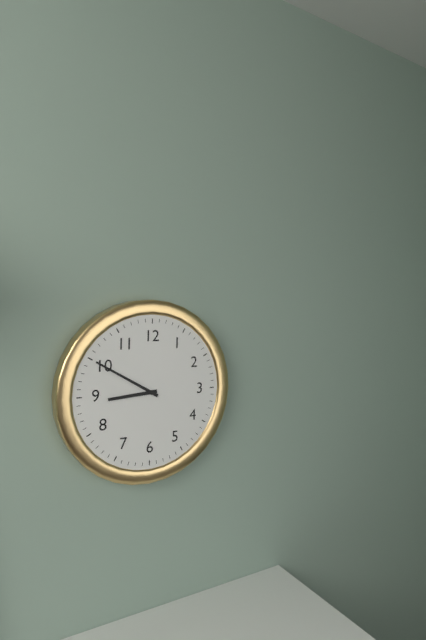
h=8 m=50
